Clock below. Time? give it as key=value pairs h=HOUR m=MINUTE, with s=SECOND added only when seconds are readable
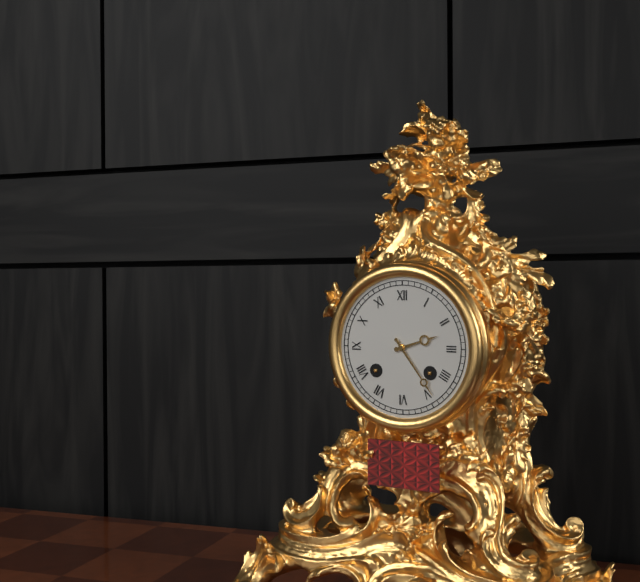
h=2 m=24
